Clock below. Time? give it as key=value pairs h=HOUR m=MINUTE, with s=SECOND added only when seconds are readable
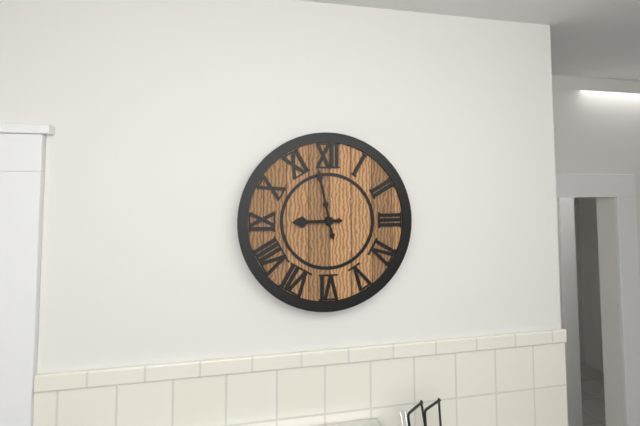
h=8 m=58
